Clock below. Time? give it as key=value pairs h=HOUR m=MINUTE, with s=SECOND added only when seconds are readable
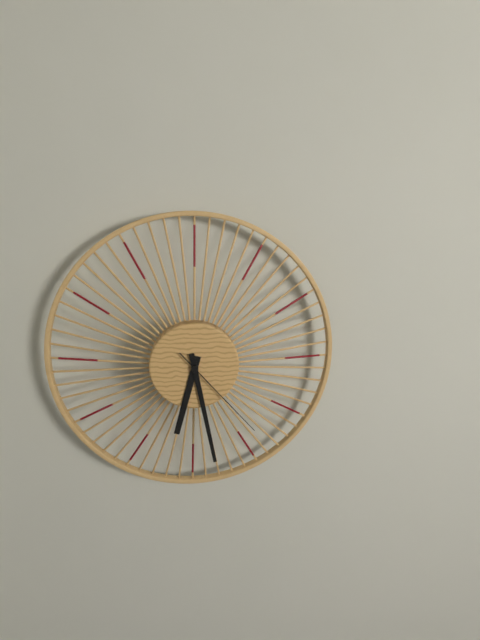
h=6 m=28 s=23
